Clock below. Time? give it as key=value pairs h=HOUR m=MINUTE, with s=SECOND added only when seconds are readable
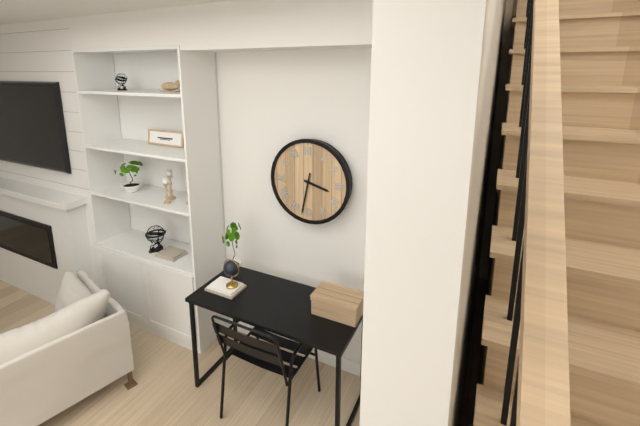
h=3 m=32
